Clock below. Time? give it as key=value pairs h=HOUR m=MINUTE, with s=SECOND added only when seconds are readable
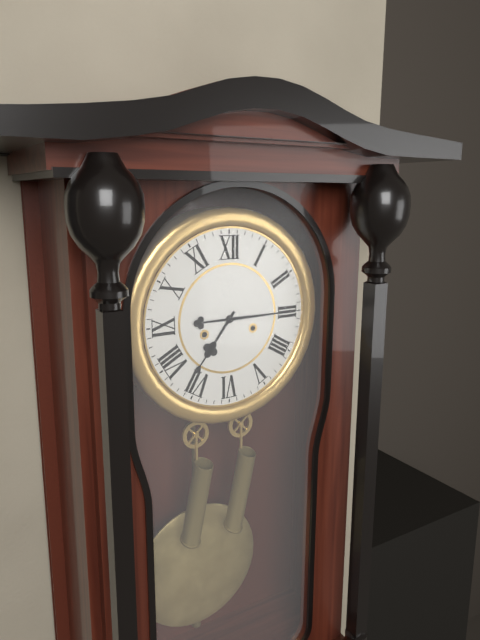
h=7 m=15
